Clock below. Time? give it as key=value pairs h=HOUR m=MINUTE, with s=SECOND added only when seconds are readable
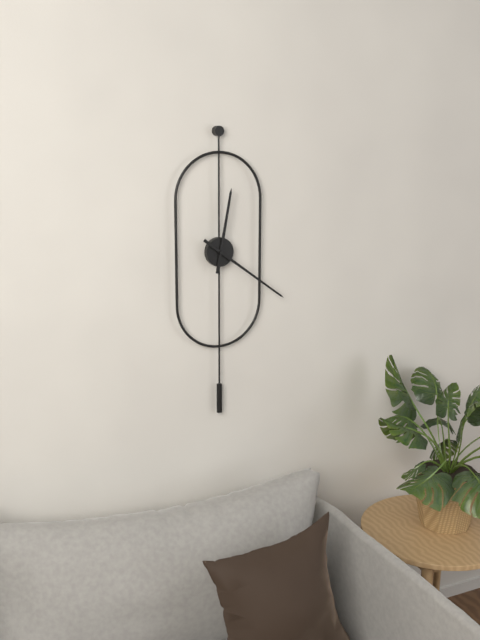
h=12 m=21
